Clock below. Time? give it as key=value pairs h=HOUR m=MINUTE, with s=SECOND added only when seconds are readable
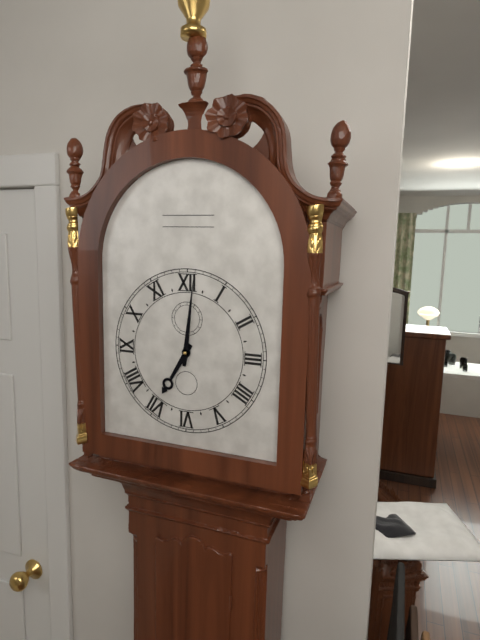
h=7 m=1
